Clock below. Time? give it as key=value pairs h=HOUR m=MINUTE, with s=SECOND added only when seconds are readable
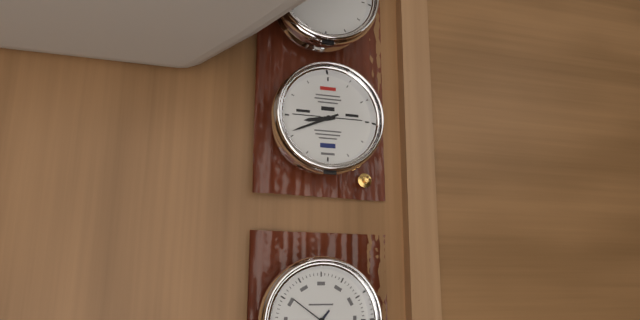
h=8 m=41
